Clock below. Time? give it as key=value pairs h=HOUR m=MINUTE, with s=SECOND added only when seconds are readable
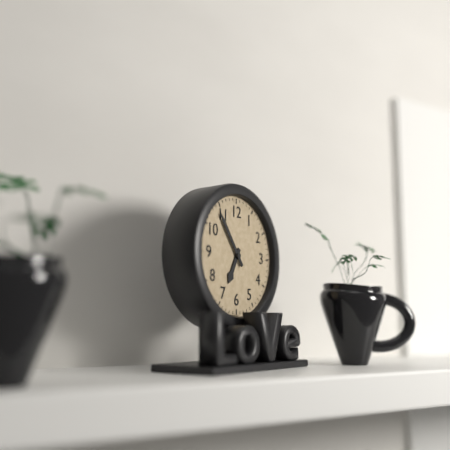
h=6 m=54
